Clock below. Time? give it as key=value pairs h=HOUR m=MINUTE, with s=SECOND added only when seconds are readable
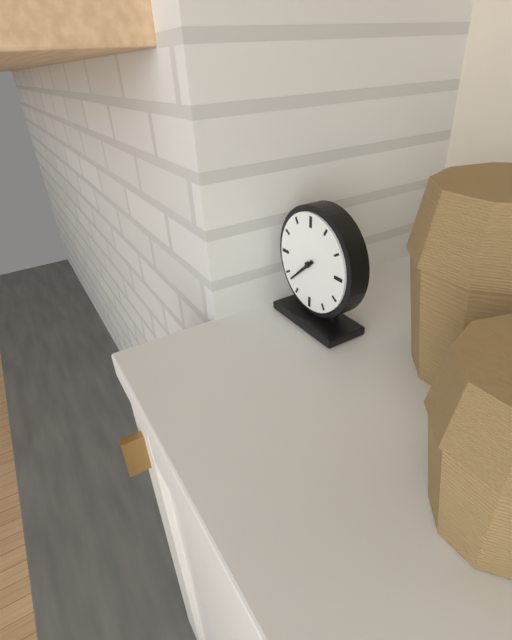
h=7 m=38
